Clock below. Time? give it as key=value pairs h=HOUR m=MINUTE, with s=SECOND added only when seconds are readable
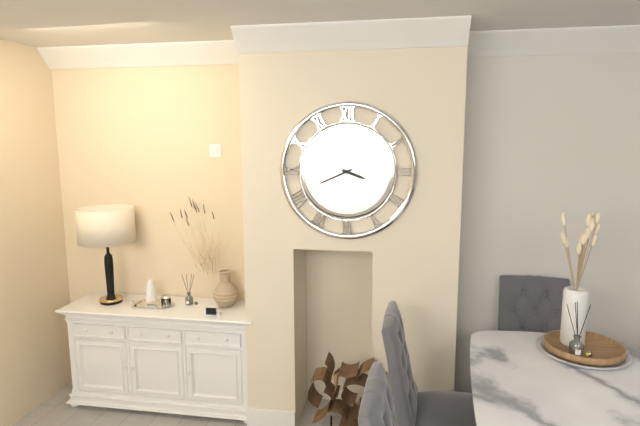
h=3 m=41
